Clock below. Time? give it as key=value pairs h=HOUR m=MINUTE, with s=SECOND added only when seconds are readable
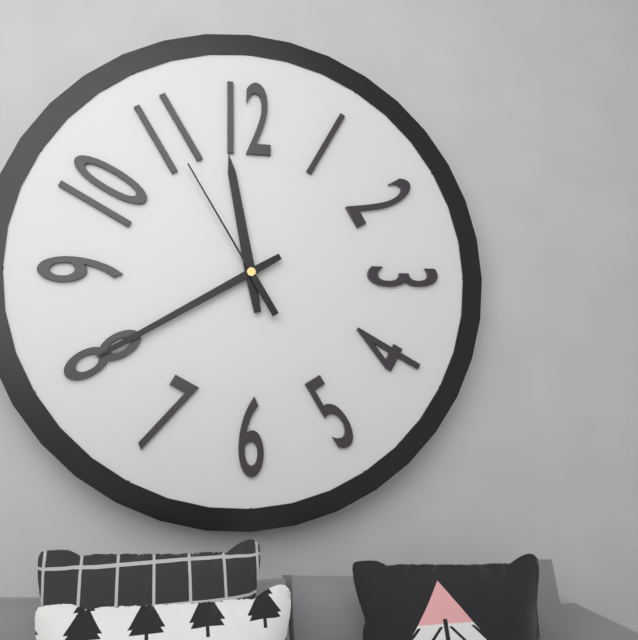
h=11 m=40 s=55
